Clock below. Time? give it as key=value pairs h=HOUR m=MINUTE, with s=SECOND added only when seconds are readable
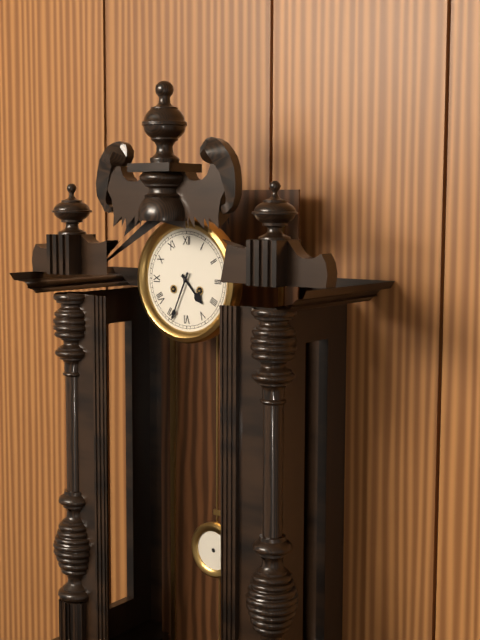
h=4 m=34
